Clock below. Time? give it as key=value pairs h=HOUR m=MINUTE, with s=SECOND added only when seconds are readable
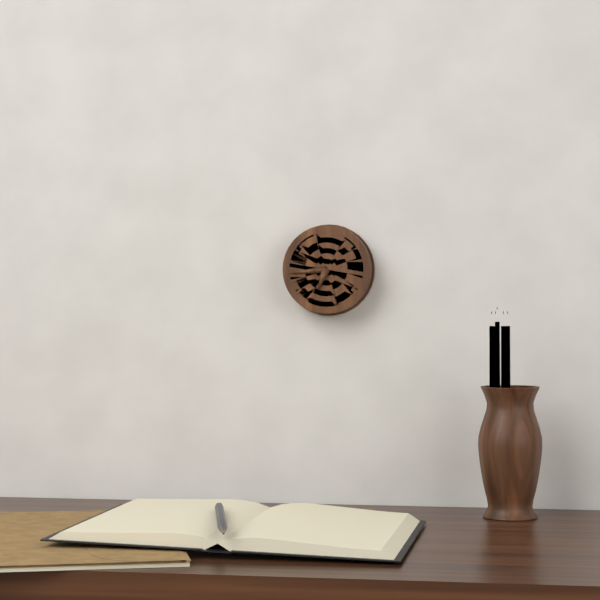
h=6 m=44
